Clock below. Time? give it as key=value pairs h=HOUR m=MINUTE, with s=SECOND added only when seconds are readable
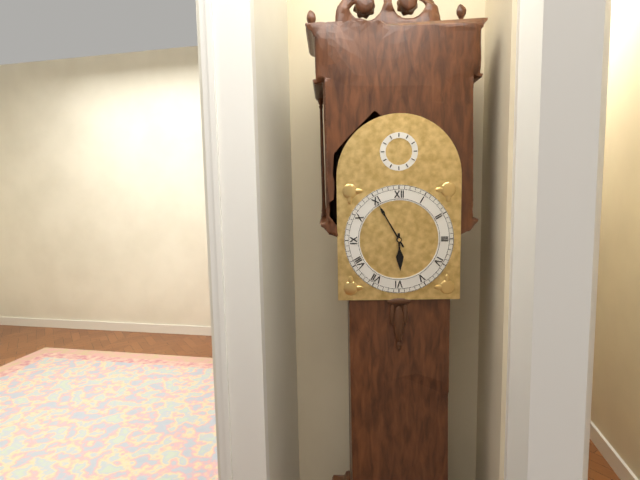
h=5 m=55
